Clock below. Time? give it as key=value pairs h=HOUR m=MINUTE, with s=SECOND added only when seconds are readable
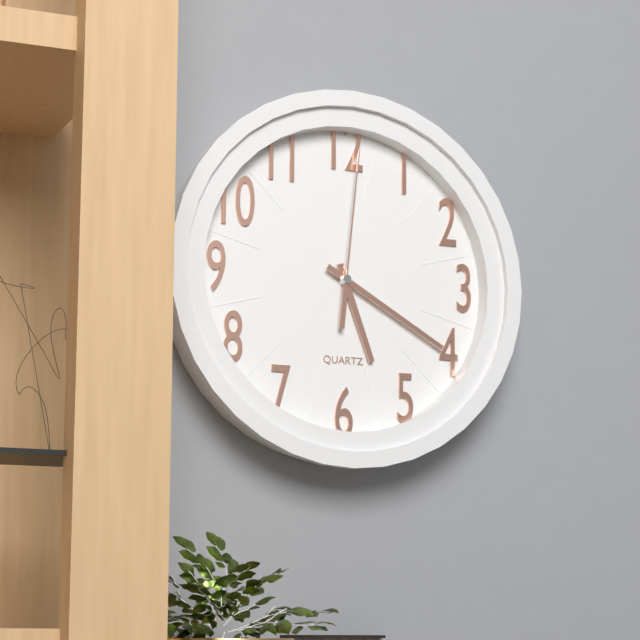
h=5 m=20 s=1
